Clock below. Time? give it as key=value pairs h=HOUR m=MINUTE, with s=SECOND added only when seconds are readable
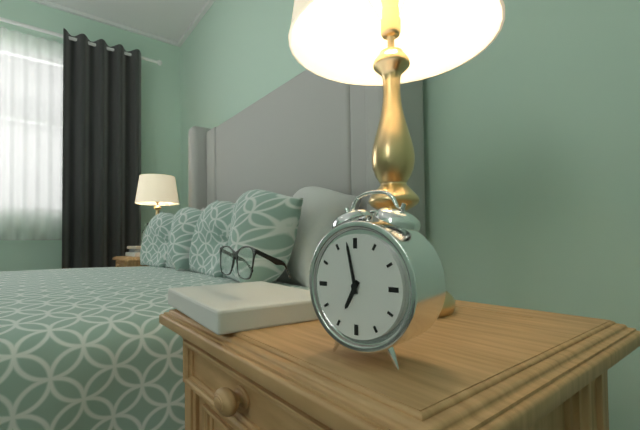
h=6 m=58
